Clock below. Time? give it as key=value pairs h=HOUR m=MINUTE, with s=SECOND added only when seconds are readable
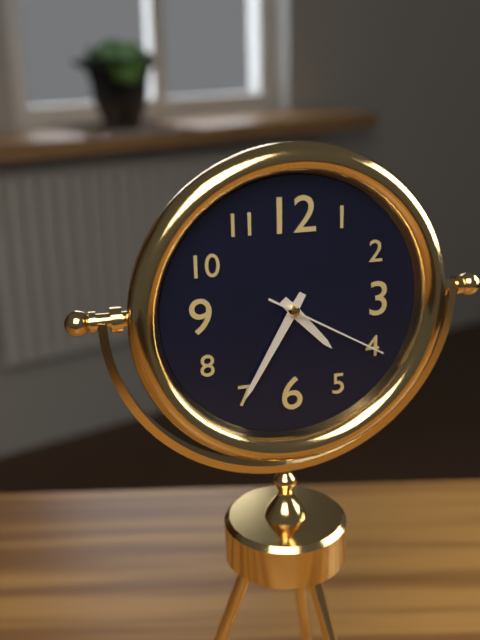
h=4 m=35 s=20
